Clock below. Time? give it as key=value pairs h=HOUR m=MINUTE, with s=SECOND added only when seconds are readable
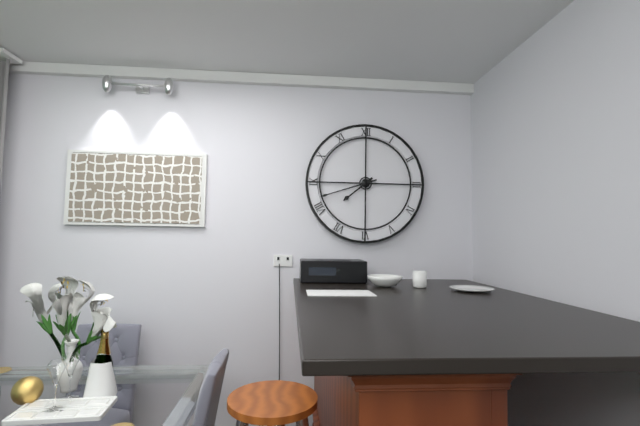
h=7 m=42
